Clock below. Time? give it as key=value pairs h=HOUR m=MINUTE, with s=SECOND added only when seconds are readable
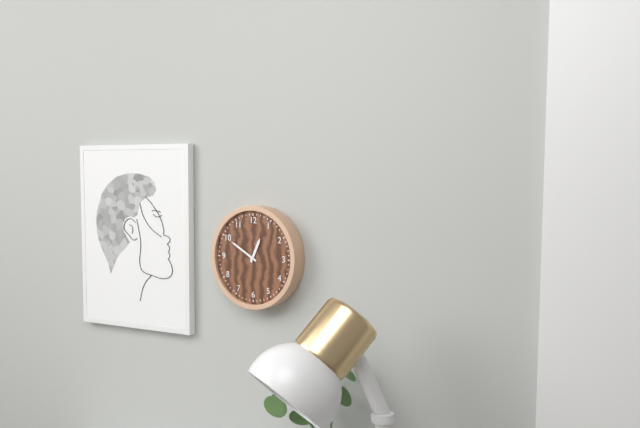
h=12 m=50
